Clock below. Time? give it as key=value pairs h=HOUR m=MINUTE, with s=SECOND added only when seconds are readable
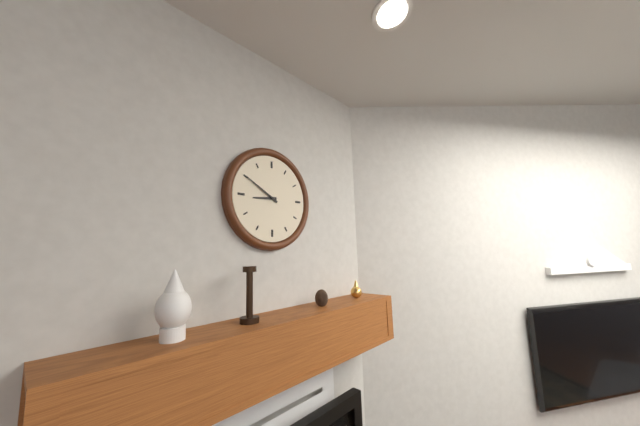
h=8 m=50
